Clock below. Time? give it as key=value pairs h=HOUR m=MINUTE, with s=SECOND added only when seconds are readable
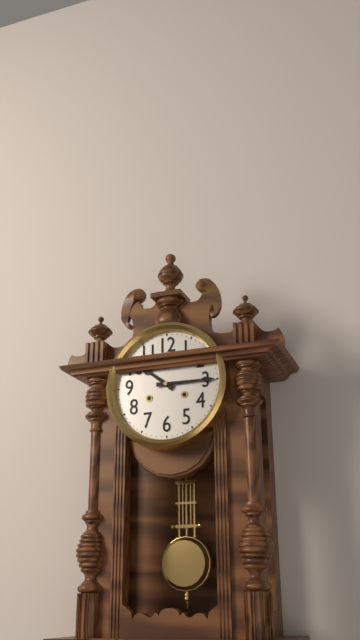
h=10 m=15
